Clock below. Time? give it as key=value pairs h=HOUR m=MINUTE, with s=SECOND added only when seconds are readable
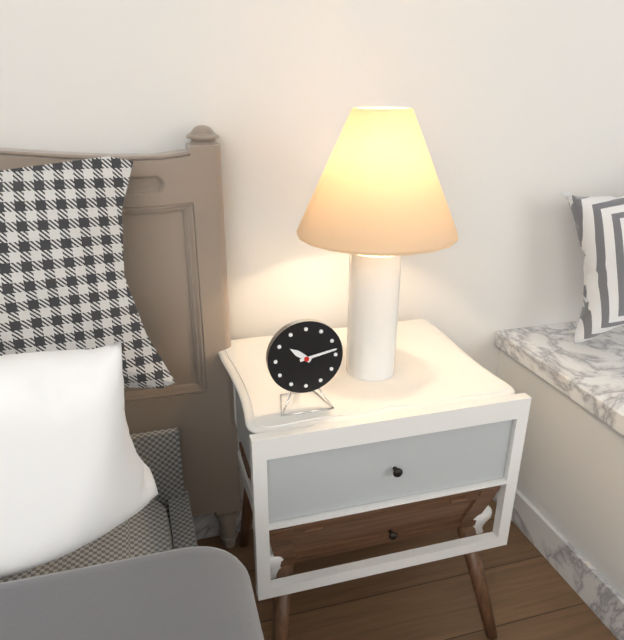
h=10 m=13
